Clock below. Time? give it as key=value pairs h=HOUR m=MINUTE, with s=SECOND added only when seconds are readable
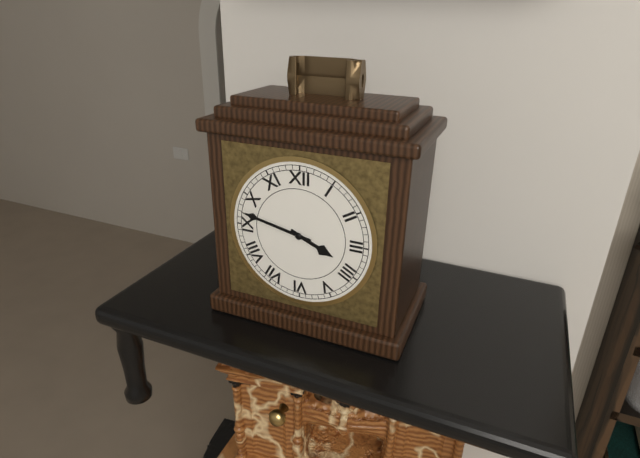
h=3 m=47
